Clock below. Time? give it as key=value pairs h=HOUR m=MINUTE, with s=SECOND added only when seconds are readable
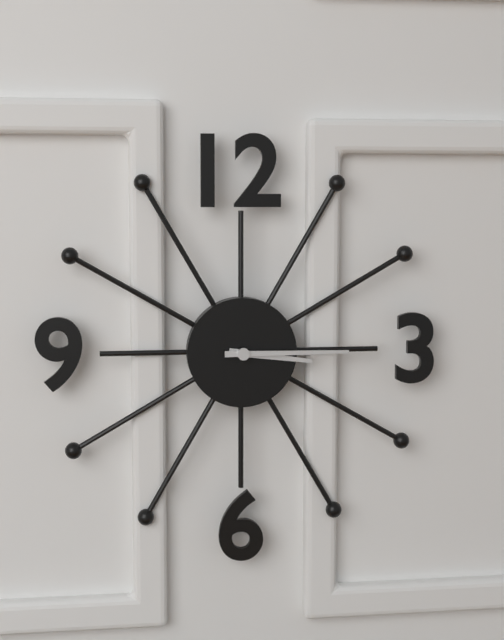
h=3 m=15
